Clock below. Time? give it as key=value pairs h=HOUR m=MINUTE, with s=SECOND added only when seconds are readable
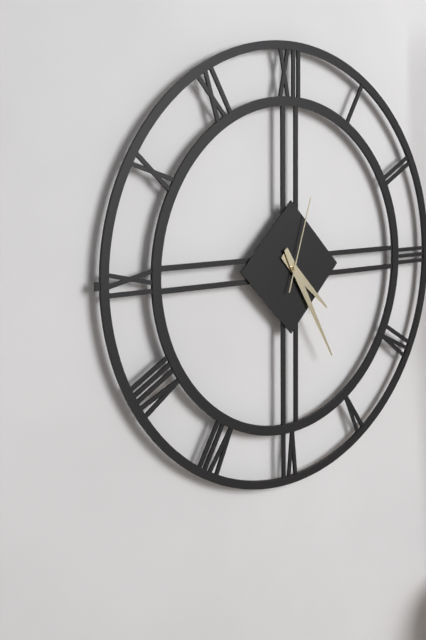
h=4 m=25 s=3
